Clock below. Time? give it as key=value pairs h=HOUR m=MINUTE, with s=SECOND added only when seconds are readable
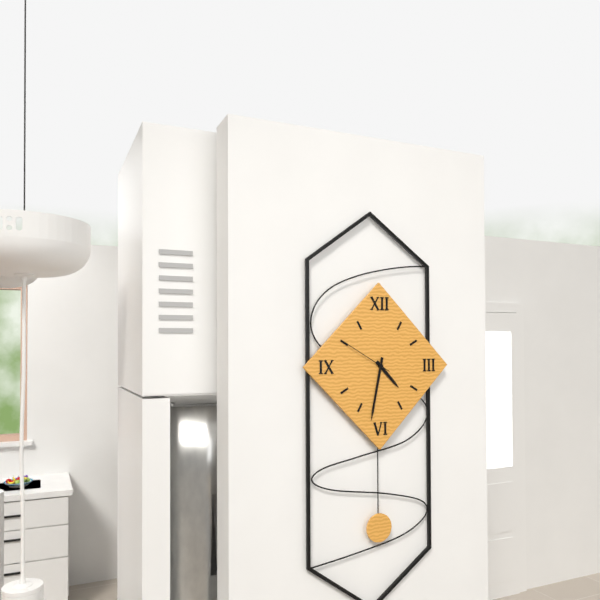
h=4 m=32 s=50
